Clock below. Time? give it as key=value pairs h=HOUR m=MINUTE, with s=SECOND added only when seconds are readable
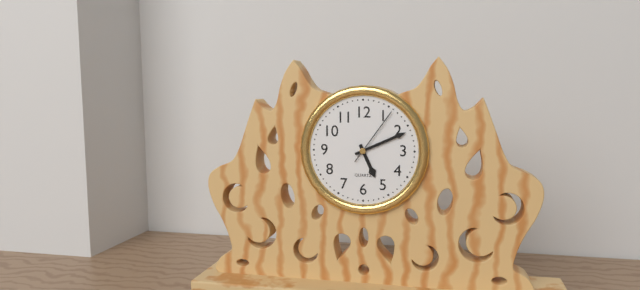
h=5 m=11 s=6
